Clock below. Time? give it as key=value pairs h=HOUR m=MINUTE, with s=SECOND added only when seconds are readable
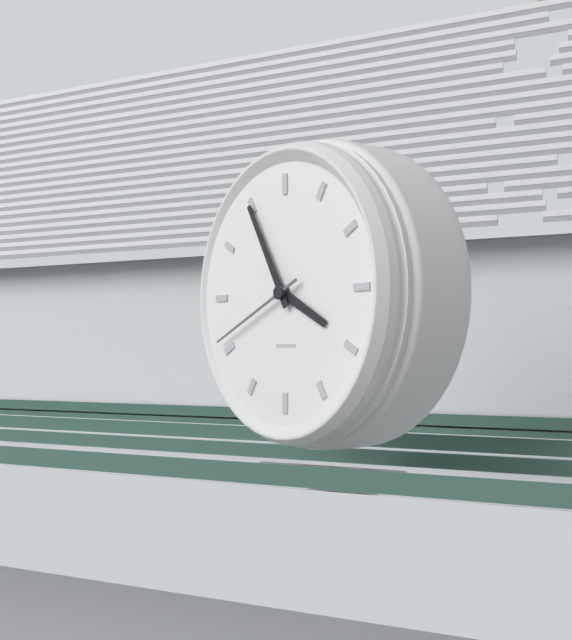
h=3 m=55 s=41
